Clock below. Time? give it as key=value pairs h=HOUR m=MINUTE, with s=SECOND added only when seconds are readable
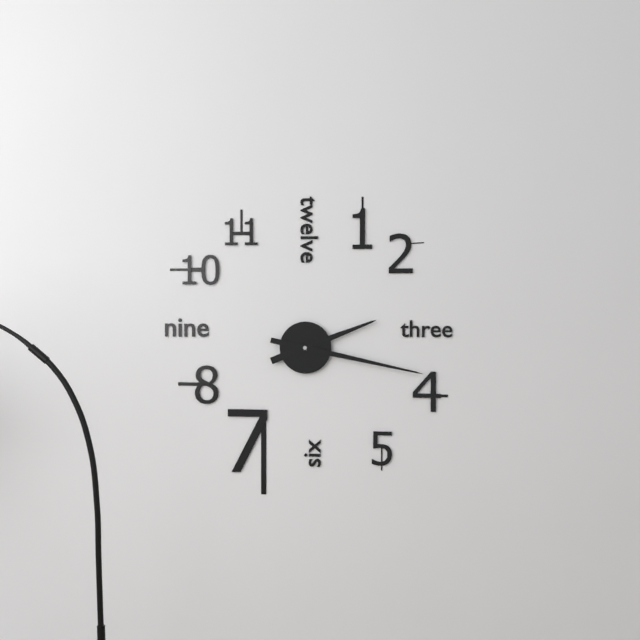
h=2 m=17
